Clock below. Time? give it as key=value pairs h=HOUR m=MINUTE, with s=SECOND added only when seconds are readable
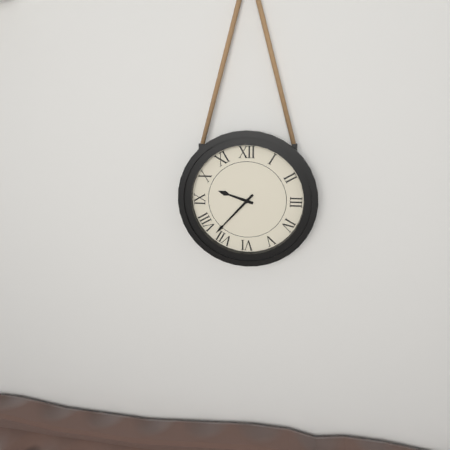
h=9 m=37
